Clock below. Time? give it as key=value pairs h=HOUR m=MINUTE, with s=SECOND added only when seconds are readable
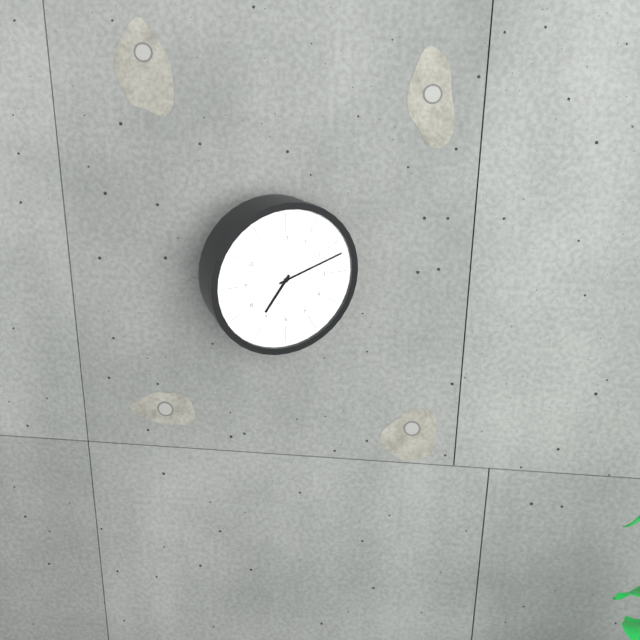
h=7 m=12
